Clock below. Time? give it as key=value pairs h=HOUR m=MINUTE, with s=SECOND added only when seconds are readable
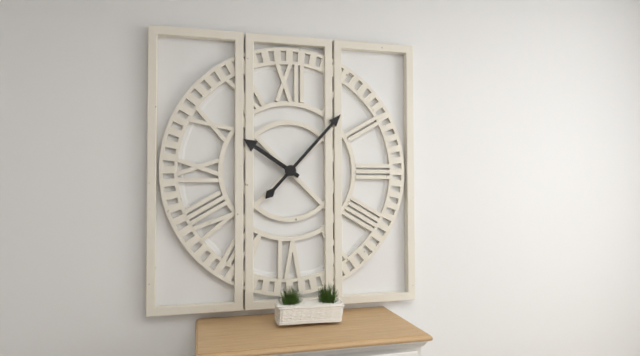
h=10 m=7
